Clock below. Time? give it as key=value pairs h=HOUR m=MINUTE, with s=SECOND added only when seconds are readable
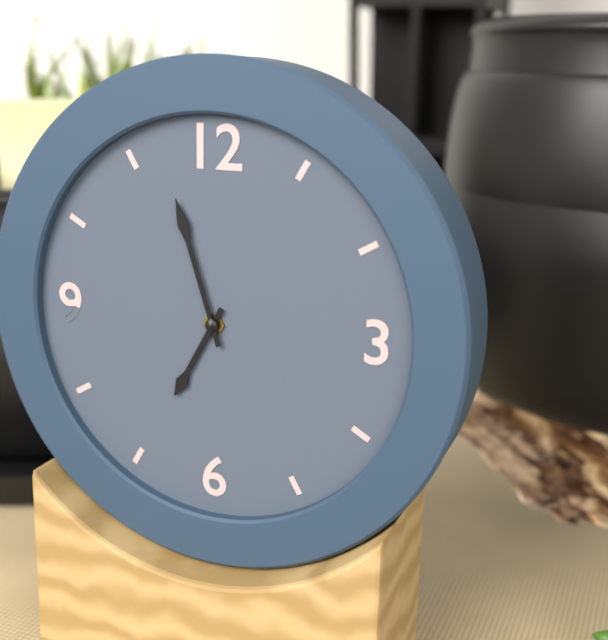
h=6 m=57
